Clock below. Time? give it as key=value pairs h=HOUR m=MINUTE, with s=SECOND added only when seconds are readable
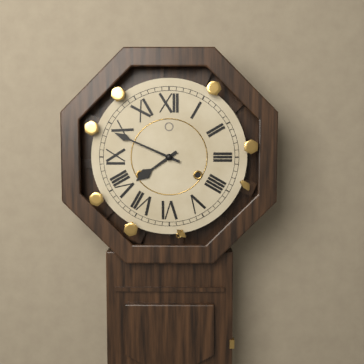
h=7 m=49
